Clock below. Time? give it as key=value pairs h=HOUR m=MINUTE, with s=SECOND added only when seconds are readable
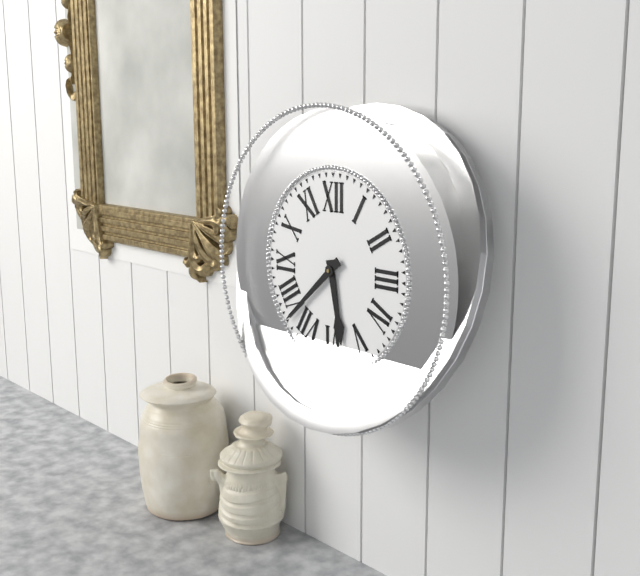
h=5 m=38
